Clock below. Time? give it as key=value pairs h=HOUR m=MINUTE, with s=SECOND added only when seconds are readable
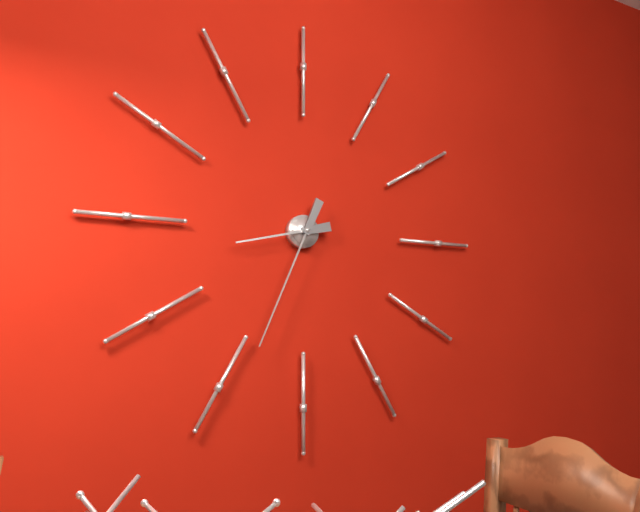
h=8 m=34
